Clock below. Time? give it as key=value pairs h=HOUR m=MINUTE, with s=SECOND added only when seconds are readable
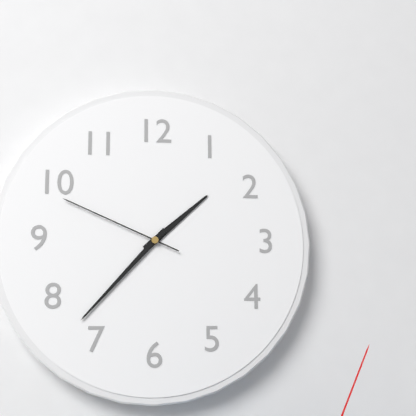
h=1 m=37 s=49
